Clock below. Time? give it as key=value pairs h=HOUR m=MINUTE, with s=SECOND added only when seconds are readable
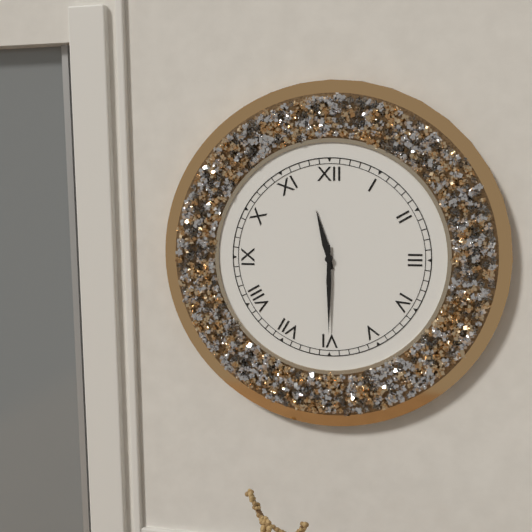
h=11 m=30
